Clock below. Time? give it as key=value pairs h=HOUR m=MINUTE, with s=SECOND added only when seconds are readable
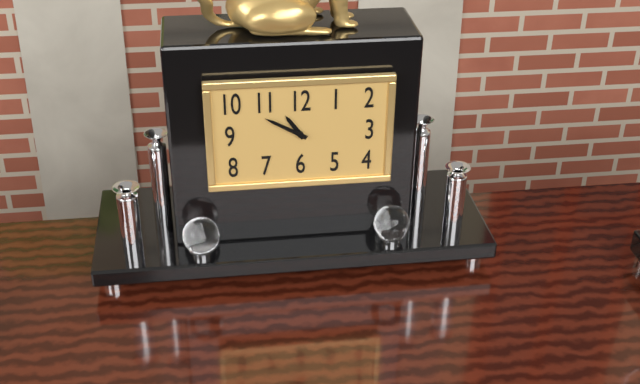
h=10 m=50
